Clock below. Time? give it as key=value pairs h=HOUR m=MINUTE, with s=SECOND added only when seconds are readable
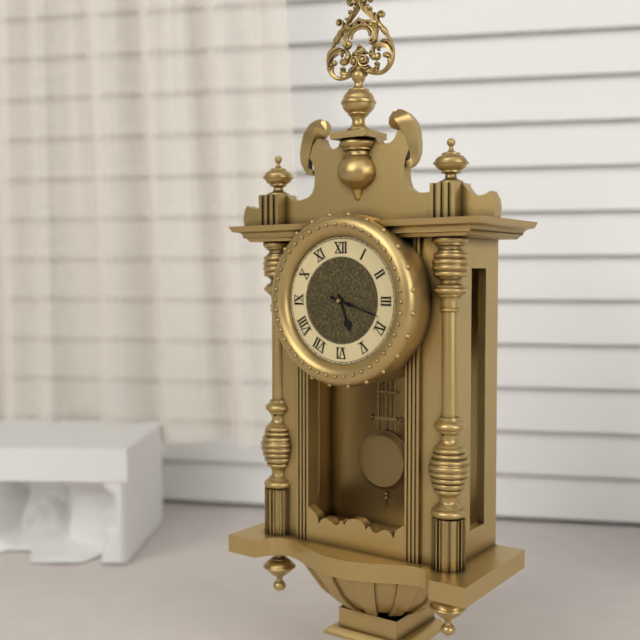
h=5 m=18
